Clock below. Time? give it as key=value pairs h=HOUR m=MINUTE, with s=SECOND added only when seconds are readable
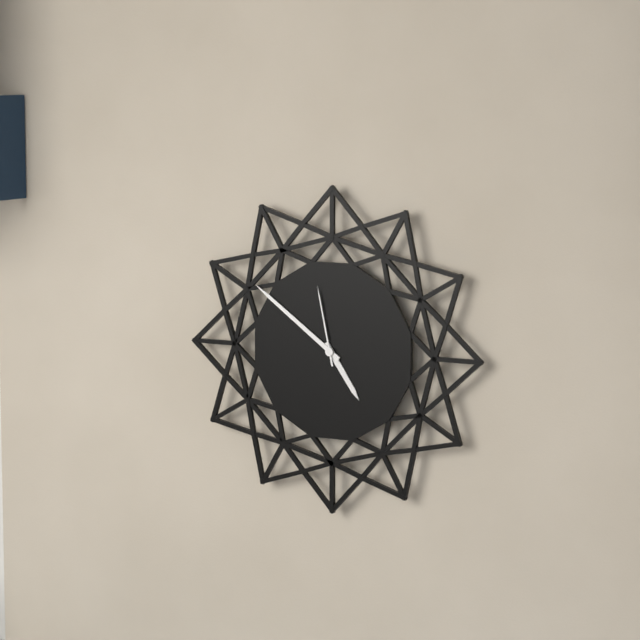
h=4 m=51 s=58
